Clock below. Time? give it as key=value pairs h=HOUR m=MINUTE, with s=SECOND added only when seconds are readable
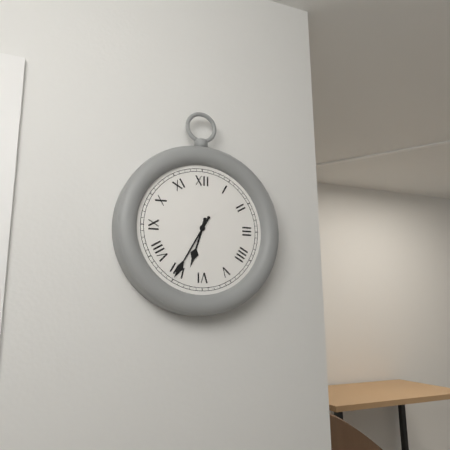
h=6 m=35
